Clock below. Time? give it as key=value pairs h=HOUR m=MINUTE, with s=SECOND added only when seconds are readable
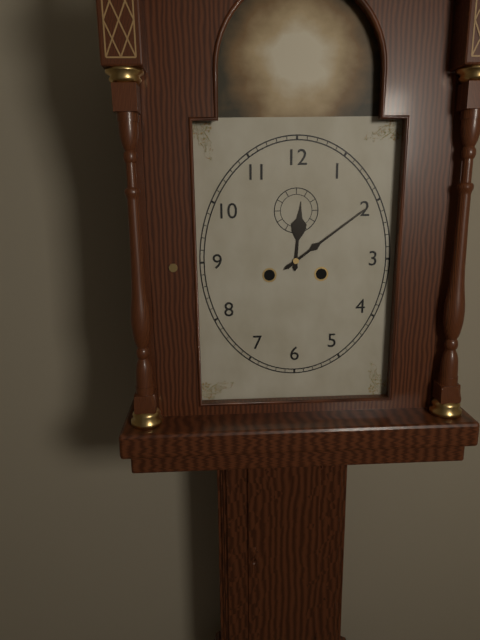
h=12 m=9
